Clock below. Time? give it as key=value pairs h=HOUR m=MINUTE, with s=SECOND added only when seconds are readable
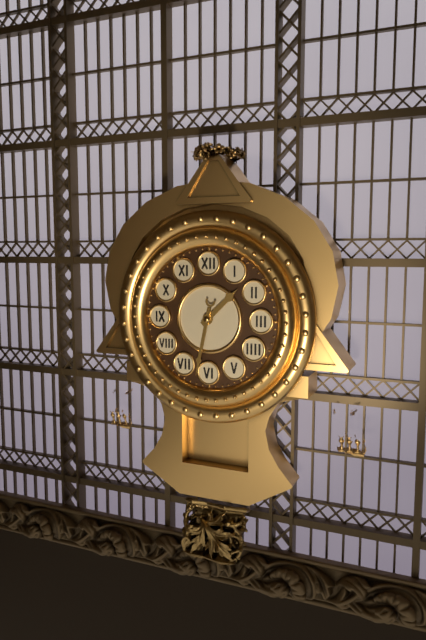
h=1 m=32
